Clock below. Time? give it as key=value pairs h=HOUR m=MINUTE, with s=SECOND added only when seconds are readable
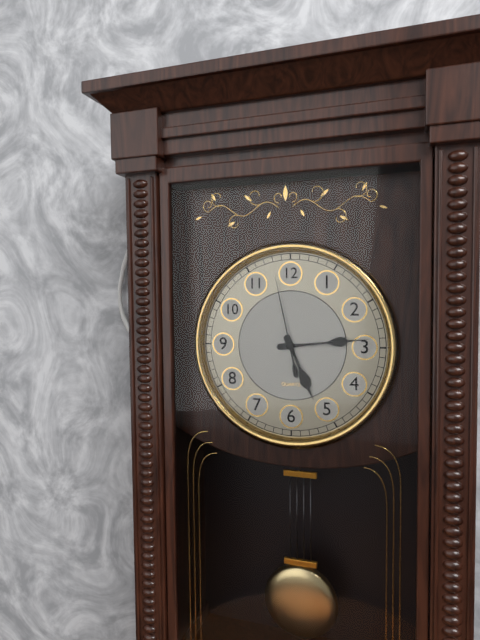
h=5 m=14 s=58
